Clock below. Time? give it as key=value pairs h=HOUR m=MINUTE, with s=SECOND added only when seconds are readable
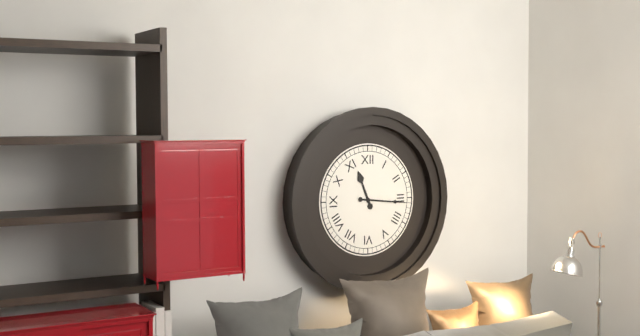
h=11 m=16
